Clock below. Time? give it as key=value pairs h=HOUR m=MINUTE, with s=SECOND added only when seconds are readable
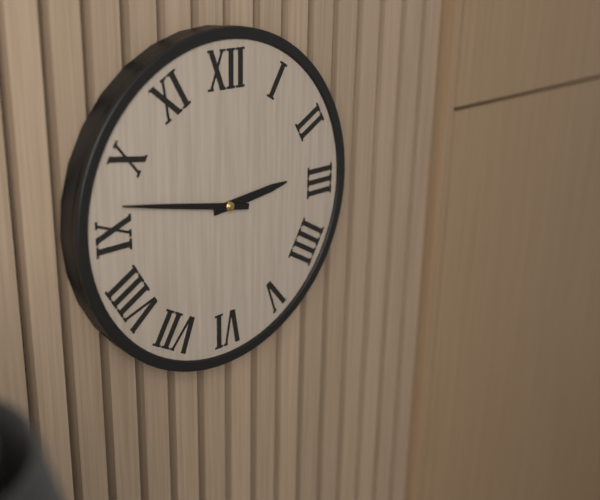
h=2 m=47
